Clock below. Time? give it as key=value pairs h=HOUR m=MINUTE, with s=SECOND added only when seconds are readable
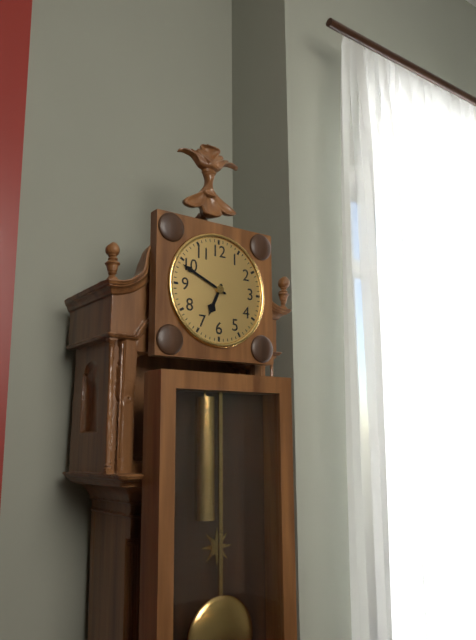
h=6 m=49
